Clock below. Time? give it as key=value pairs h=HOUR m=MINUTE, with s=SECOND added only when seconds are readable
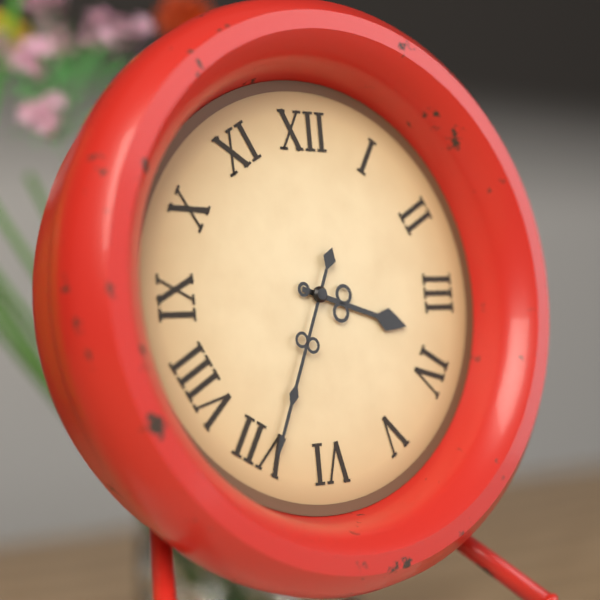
h=3 m=34
